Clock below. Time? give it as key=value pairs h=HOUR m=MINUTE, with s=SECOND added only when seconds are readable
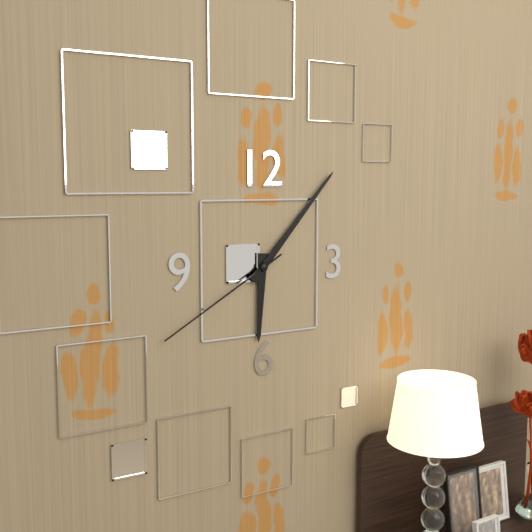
h=6 m=7 s=40
